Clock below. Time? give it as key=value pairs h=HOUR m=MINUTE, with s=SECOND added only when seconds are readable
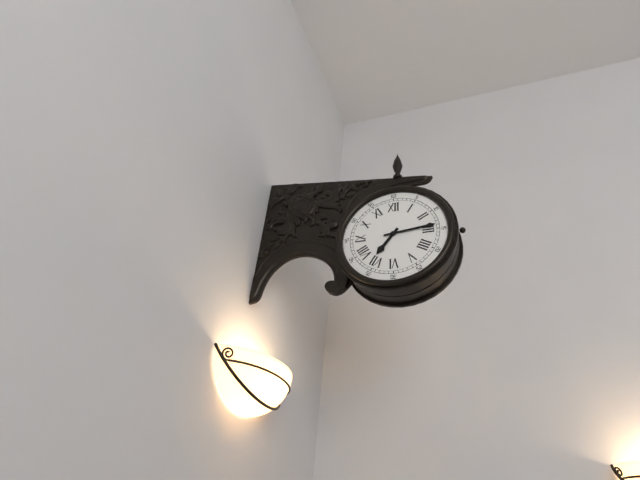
h=7 m=14
